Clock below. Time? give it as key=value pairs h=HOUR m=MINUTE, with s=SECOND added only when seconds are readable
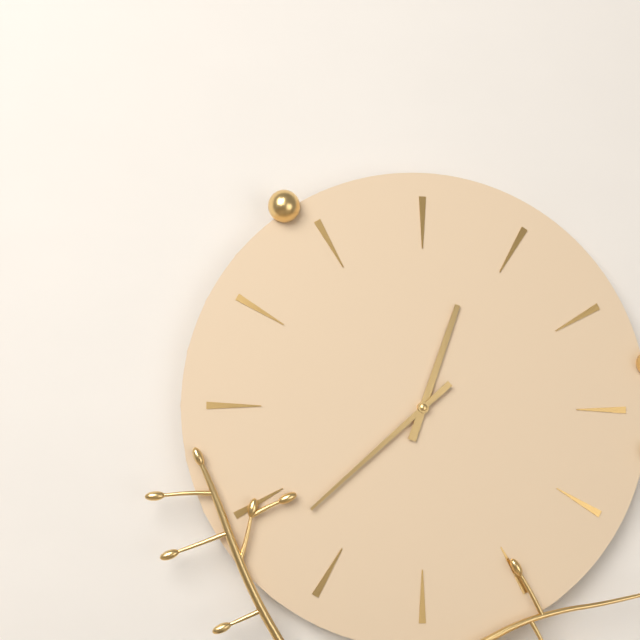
h=12 m=38
